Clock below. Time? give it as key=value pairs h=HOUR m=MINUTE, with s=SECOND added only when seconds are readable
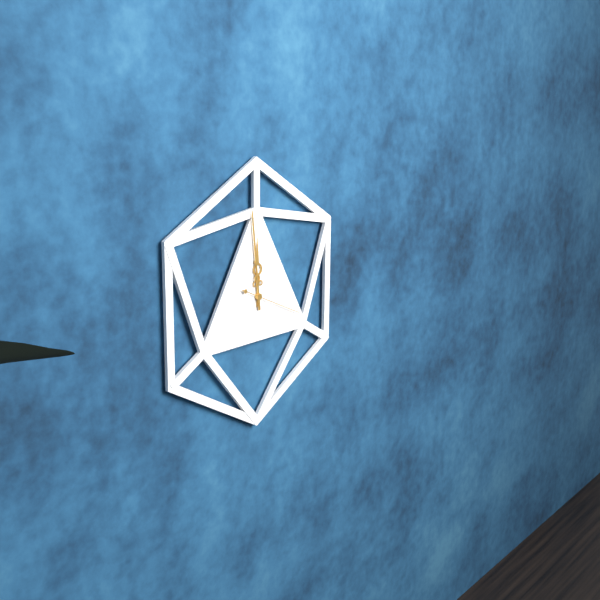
h=11 m=59 s=19
